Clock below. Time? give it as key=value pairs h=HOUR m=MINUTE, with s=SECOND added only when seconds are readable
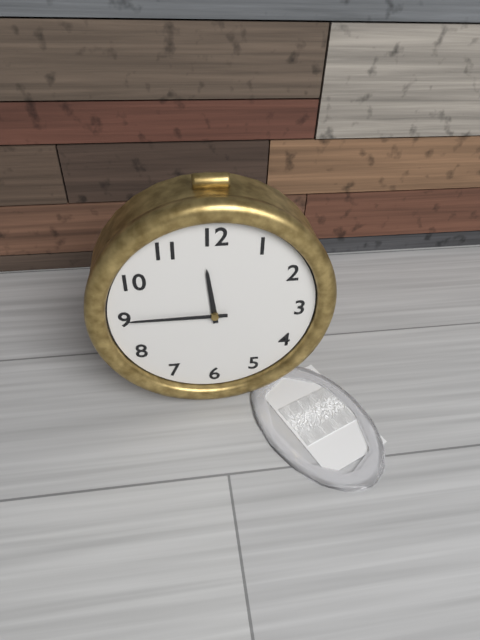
h=11 m=45
